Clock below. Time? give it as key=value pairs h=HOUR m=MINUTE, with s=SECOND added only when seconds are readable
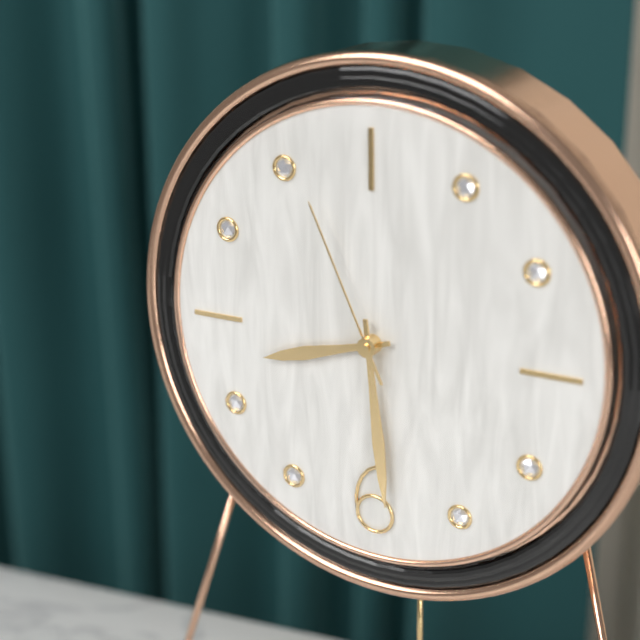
h=8 m=29 s=56
